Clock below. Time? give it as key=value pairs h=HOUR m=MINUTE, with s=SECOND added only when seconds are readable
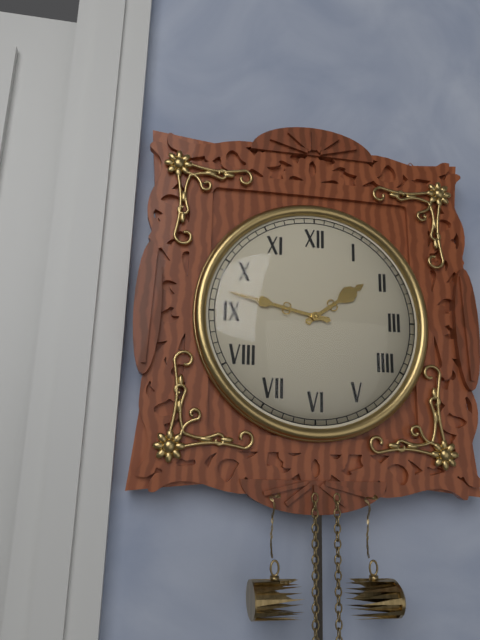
h=1 m=47
